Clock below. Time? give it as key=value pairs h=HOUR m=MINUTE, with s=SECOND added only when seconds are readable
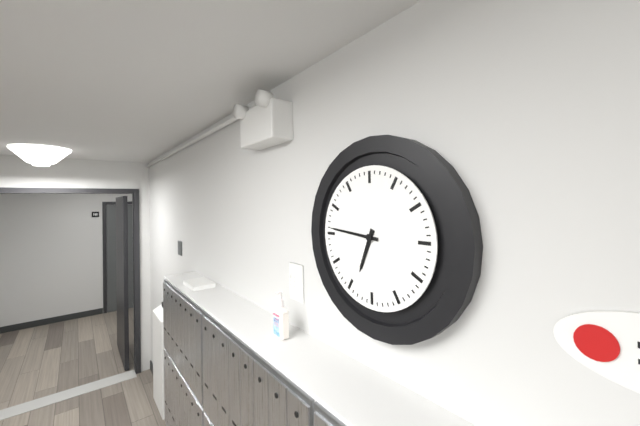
h=6 m=46
